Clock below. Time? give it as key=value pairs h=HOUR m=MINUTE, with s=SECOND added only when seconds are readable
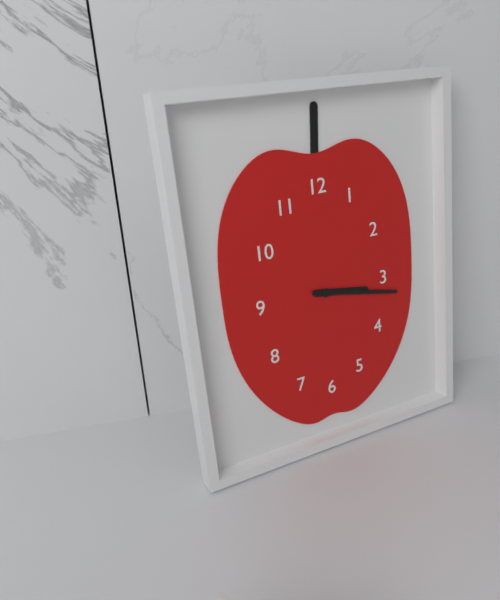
h=3 m=17
